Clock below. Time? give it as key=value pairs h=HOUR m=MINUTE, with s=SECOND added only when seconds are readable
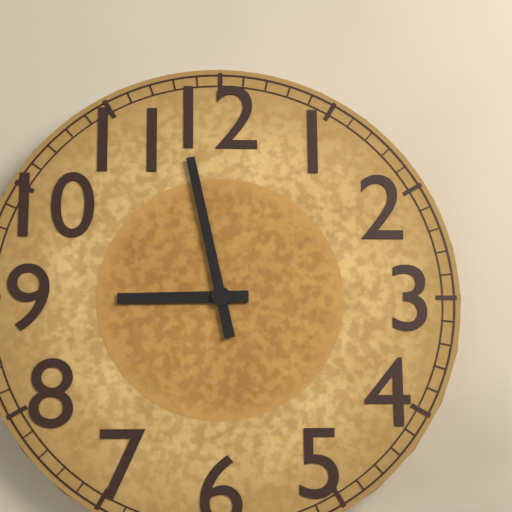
h=8 m=58
